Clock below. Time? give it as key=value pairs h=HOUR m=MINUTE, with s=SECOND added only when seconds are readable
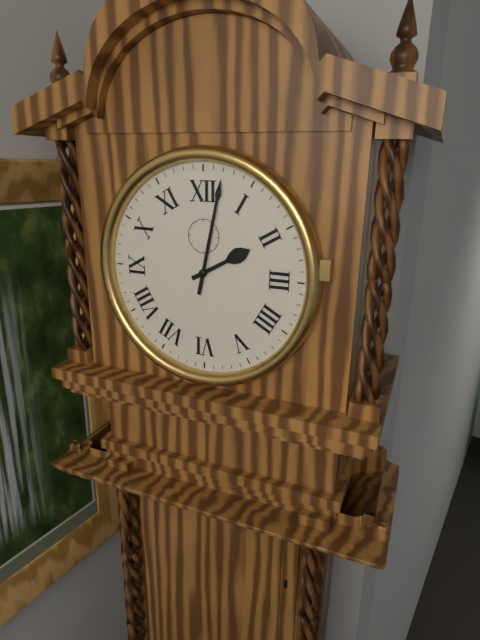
h=2 m=2
